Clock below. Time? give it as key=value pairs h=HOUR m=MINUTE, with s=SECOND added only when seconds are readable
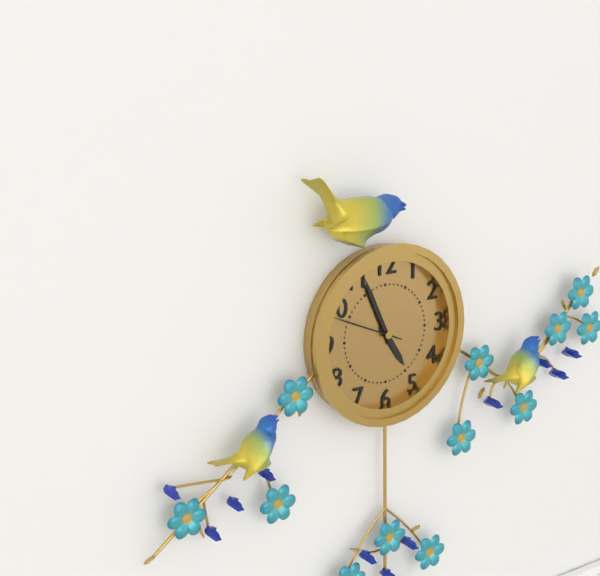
h=4 m=56 s=49
